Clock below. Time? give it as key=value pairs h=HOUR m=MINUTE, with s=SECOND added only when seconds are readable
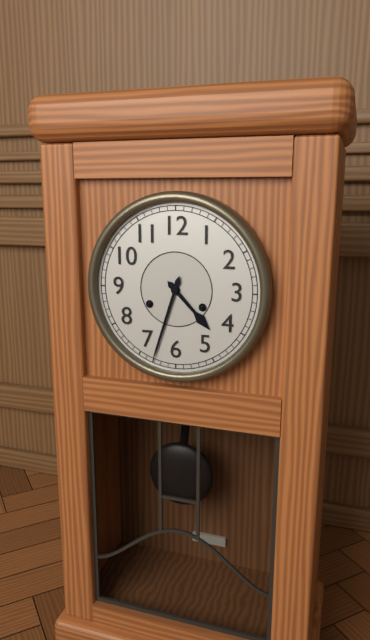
h=4 m=33
